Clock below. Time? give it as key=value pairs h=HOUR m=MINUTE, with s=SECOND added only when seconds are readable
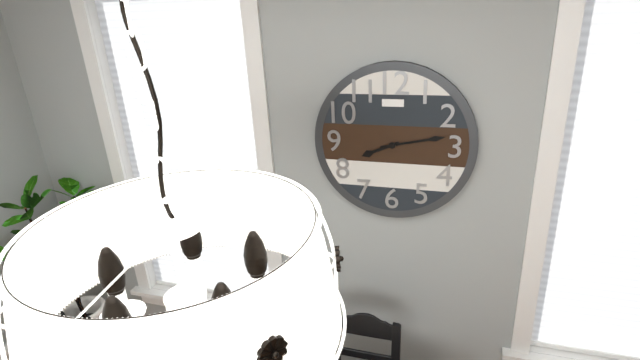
h=8 m=13
